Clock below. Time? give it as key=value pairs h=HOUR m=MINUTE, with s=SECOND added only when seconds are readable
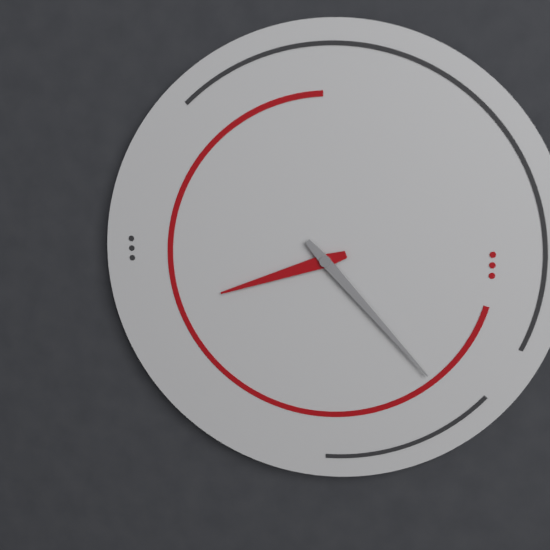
h=8 m=23
